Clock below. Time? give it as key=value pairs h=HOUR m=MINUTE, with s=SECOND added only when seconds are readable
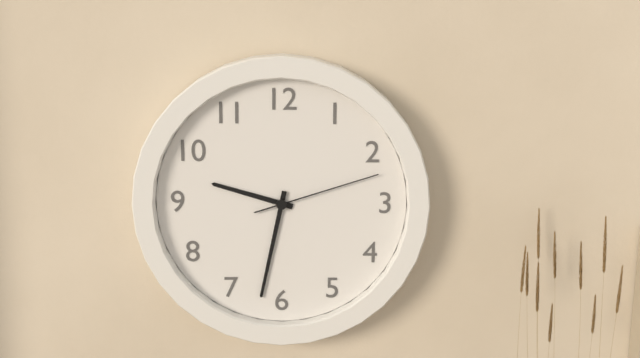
h=9 m=32 s=12
